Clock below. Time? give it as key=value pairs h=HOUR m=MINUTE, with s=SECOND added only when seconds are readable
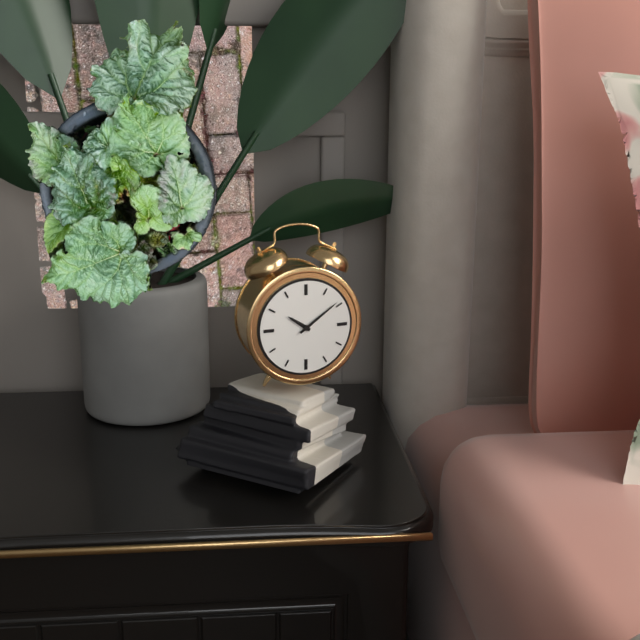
h=10 m=9
